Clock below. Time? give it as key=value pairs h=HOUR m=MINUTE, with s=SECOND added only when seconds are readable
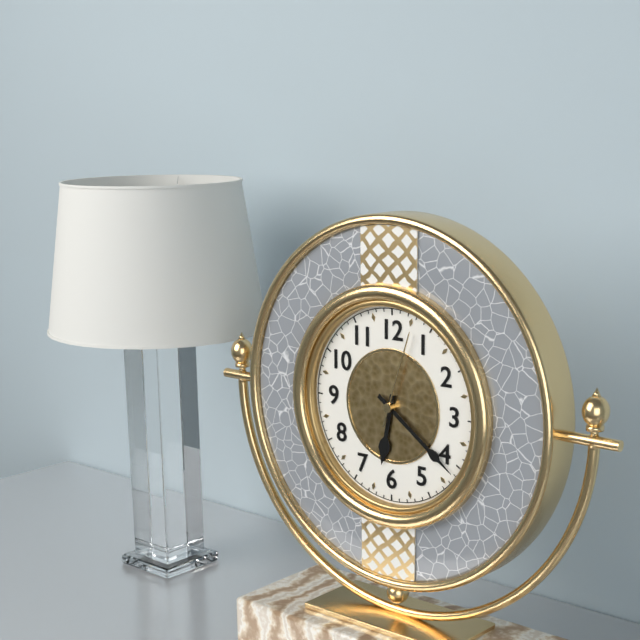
h=6 m=21 s=3
